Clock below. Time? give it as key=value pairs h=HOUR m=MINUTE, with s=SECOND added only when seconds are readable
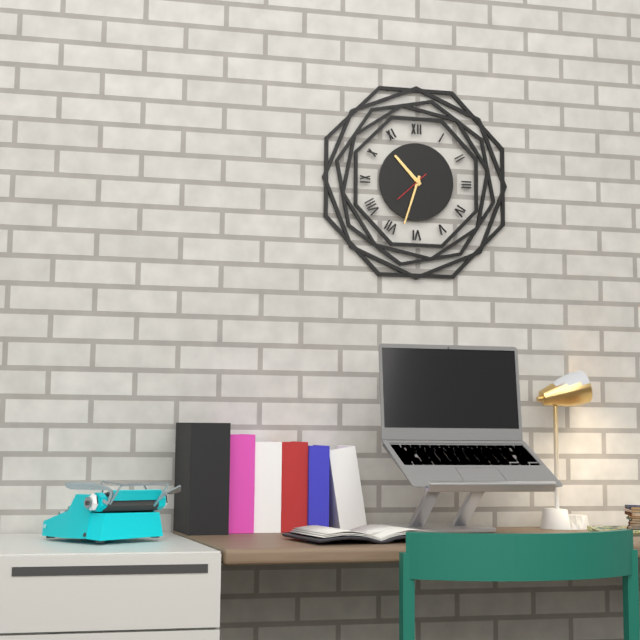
h=10 m=33
